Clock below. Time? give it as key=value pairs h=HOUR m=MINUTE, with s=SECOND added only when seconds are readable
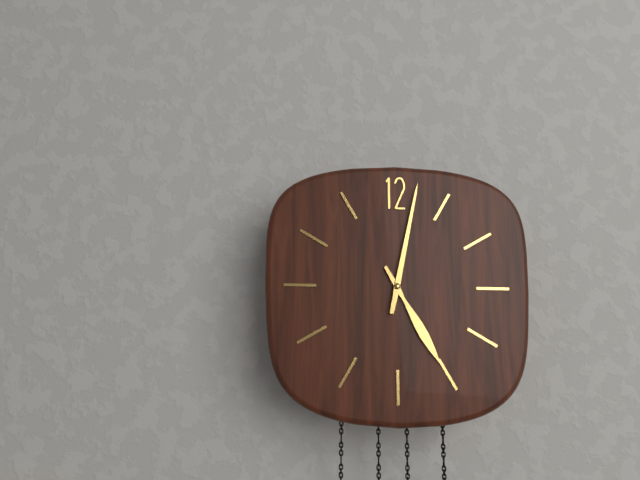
h=5 m=2
